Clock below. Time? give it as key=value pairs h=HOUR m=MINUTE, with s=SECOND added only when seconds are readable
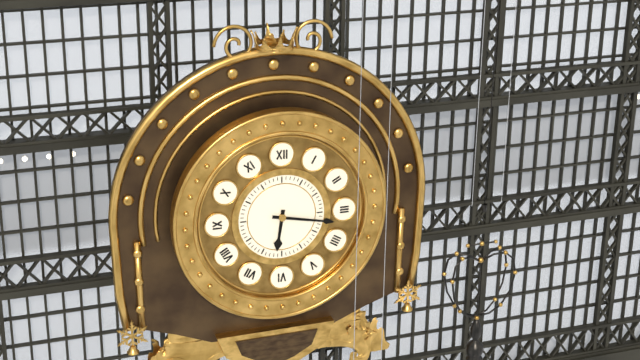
h=6 m=17
